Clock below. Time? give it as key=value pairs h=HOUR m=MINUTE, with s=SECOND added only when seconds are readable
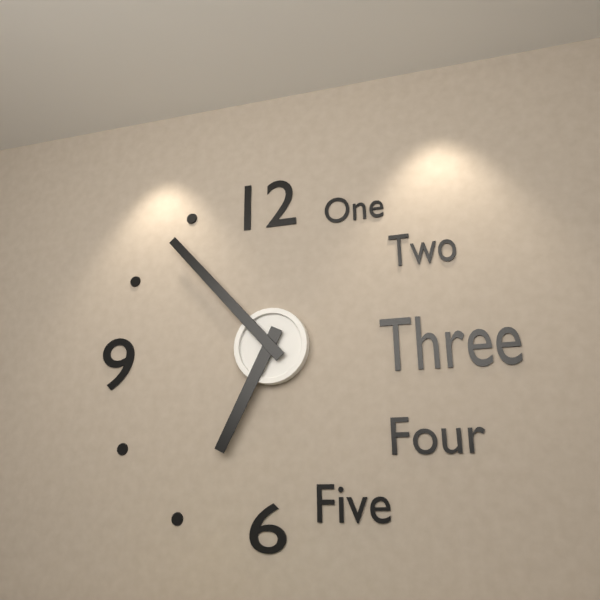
h=6 m=53
